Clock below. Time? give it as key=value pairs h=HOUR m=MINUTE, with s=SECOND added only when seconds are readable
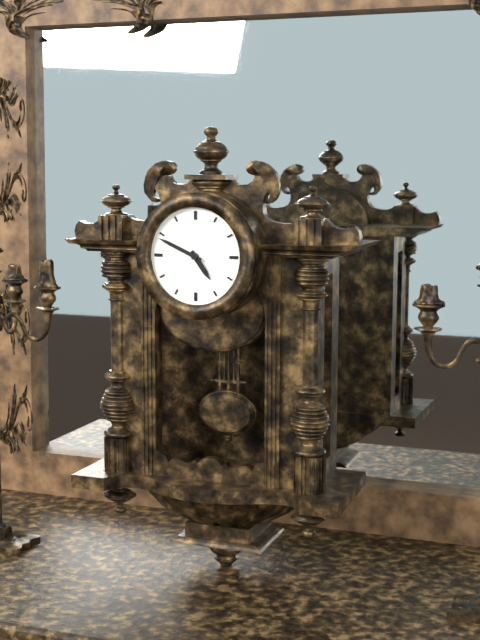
h=4 m=49
